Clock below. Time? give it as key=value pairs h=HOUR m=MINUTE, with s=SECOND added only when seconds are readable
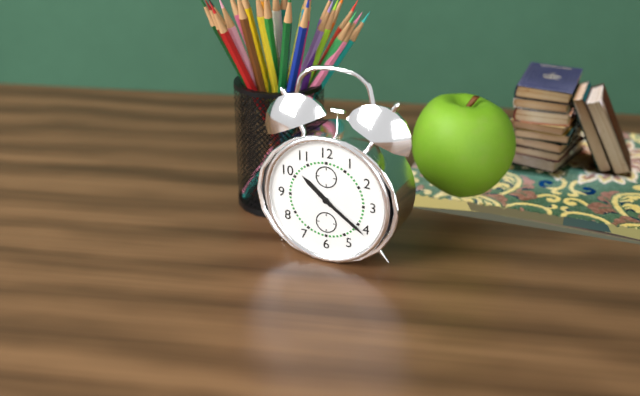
h=10 m=21
